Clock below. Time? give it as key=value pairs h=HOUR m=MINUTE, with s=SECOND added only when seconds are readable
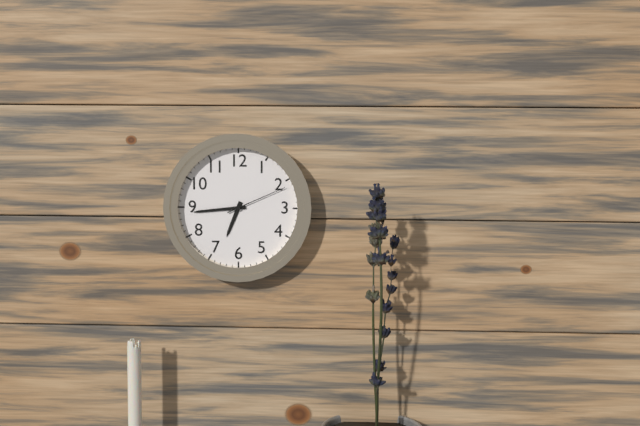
h=6 m=44 s=11
